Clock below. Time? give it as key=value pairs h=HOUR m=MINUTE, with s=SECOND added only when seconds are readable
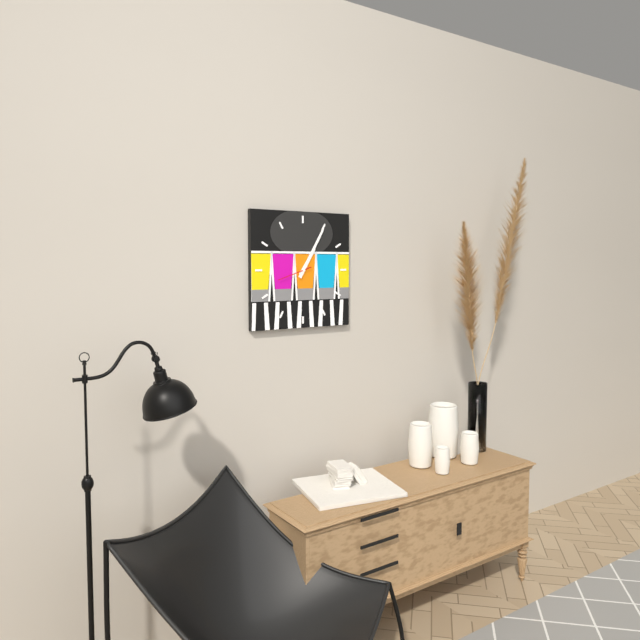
h=1 m=5
